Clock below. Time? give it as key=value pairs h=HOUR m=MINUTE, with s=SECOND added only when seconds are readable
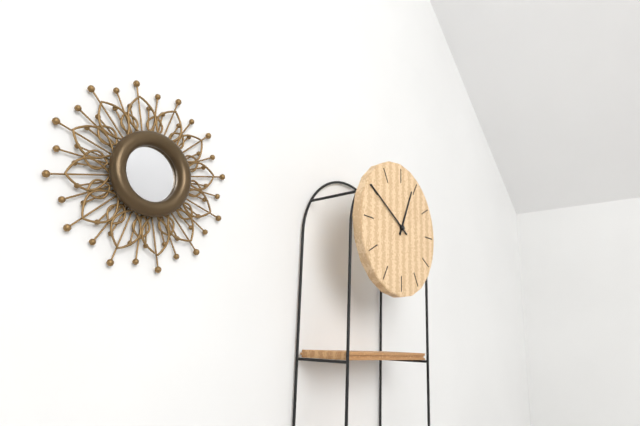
h=12 m=50
